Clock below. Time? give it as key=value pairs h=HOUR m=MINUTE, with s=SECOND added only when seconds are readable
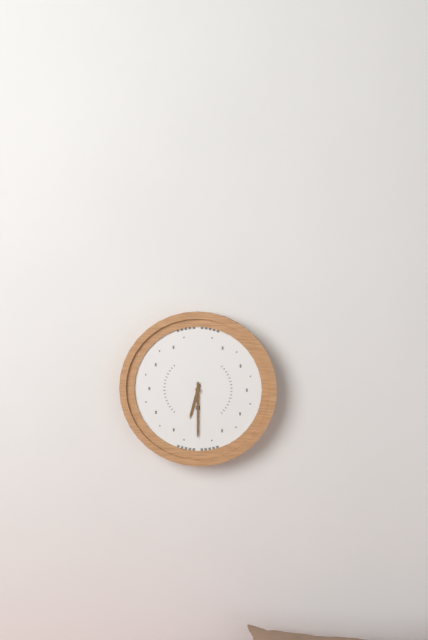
h=6 m=30
